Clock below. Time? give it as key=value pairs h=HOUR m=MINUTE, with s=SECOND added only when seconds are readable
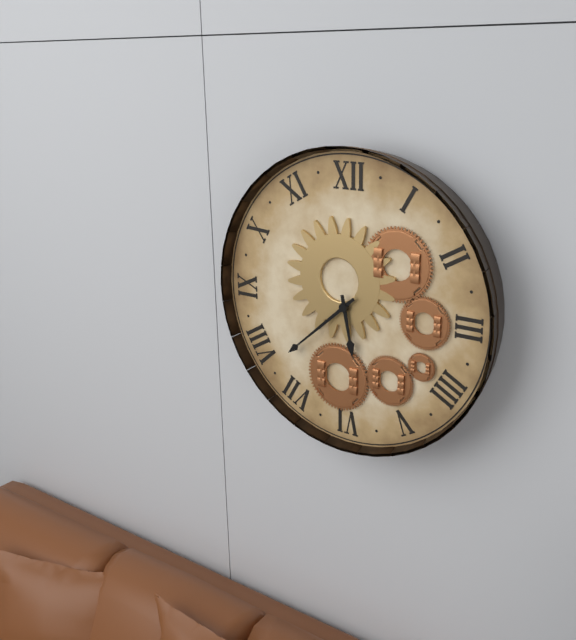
h=5 m=38
